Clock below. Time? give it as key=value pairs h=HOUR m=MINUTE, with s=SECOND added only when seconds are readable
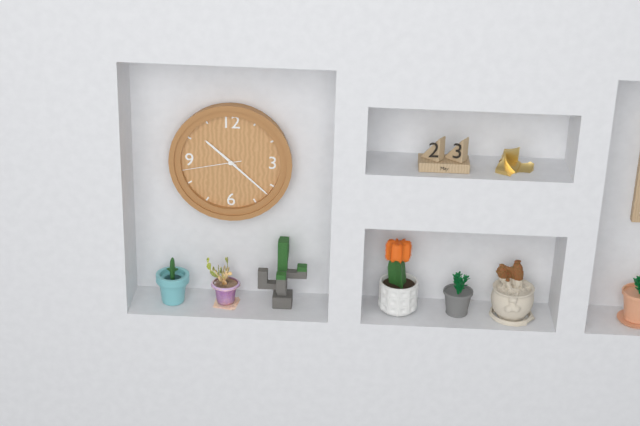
h=10 m=22 s=43
